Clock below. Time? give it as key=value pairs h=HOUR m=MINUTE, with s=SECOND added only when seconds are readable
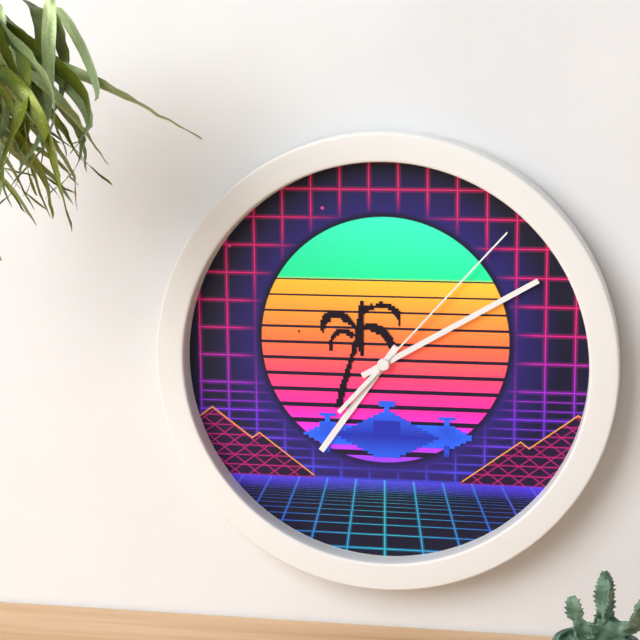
h=7 m=10 s=7
